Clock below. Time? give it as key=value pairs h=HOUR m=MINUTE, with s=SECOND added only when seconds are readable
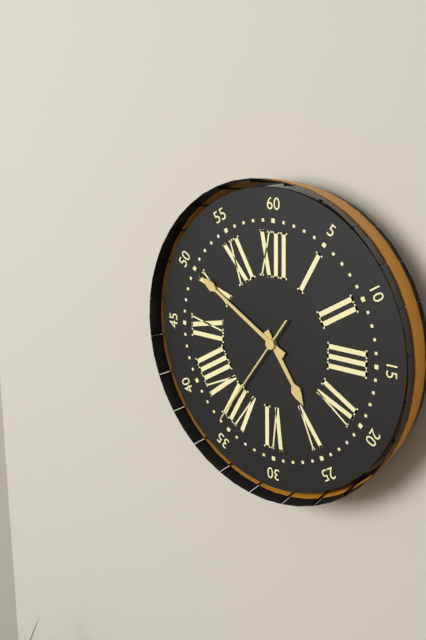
h=4 m=50 s=36
